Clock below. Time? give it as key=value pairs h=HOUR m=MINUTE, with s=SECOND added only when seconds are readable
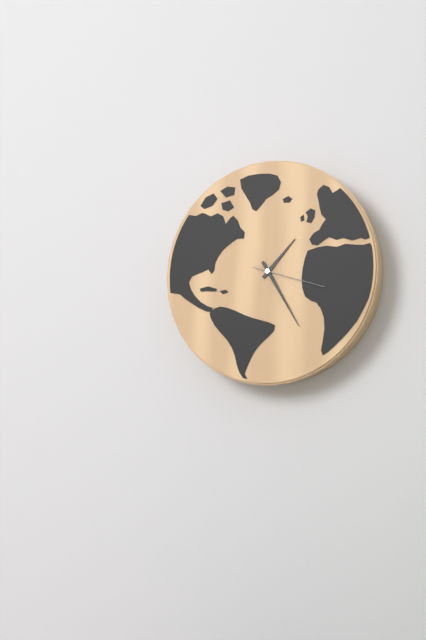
h=1 m=25 s=18
